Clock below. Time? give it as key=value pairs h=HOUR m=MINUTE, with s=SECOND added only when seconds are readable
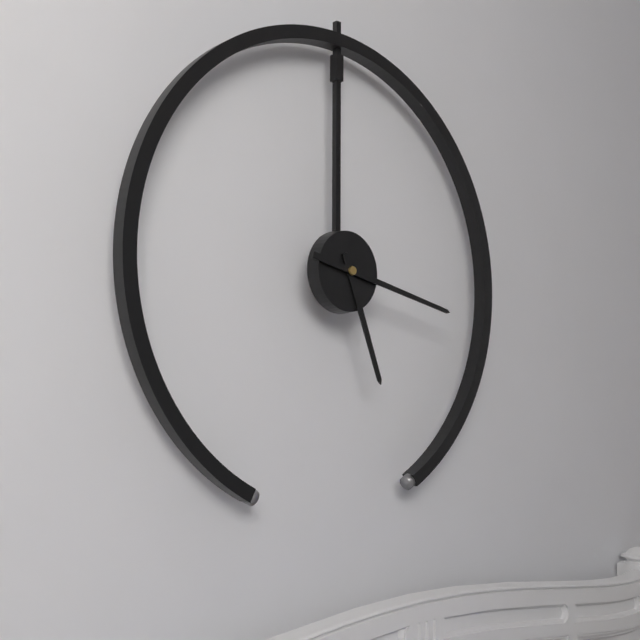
h=5 m=17
